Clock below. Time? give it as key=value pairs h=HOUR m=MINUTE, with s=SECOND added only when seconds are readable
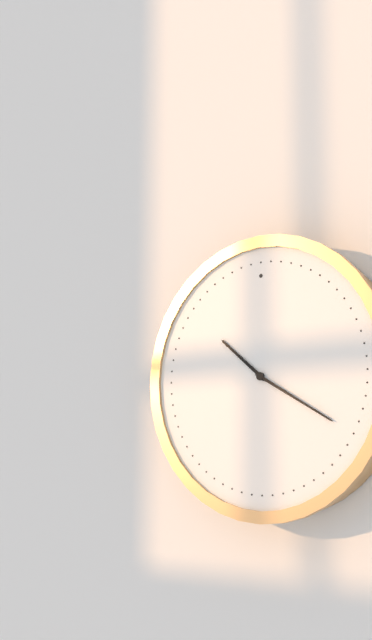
h=10 m=20
